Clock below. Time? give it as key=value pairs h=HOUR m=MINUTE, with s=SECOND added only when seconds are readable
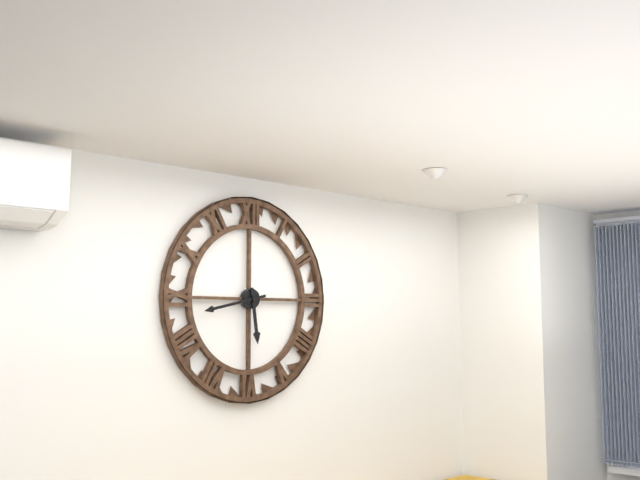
h=5 m=43
